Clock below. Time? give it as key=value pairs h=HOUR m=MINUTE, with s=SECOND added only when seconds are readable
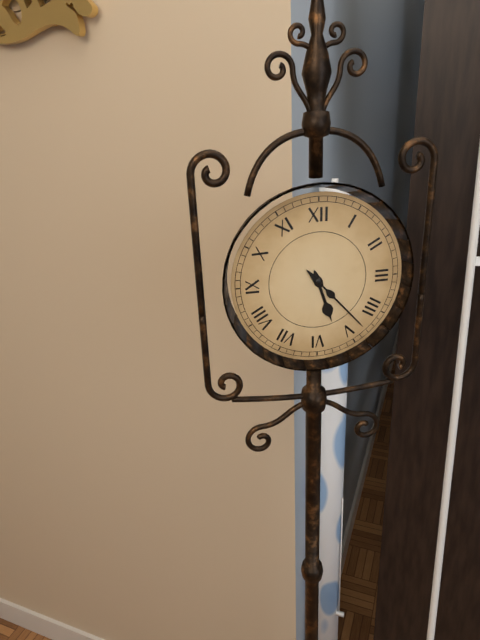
h=5 m=23
